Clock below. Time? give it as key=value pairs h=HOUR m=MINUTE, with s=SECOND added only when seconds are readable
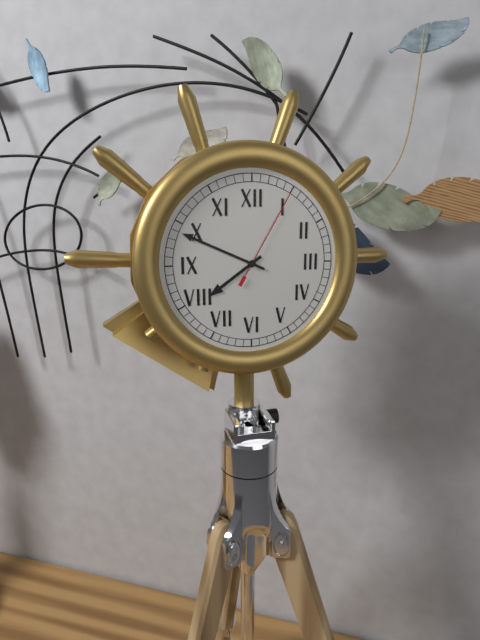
h=7 m=49 s=5
